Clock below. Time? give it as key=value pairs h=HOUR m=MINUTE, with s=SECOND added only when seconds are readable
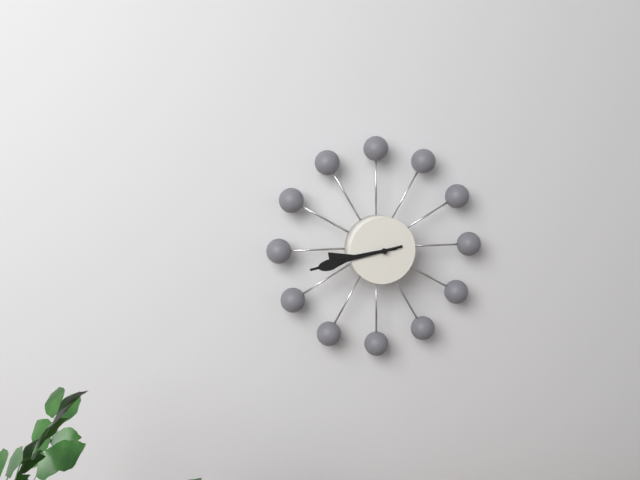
h=8 m=43
